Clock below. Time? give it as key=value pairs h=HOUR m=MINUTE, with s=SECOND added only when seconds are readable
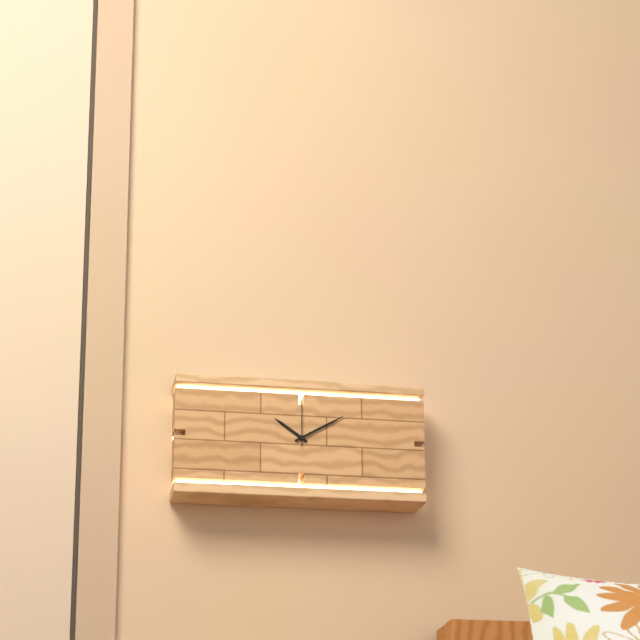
h=10 m=10 s=0
